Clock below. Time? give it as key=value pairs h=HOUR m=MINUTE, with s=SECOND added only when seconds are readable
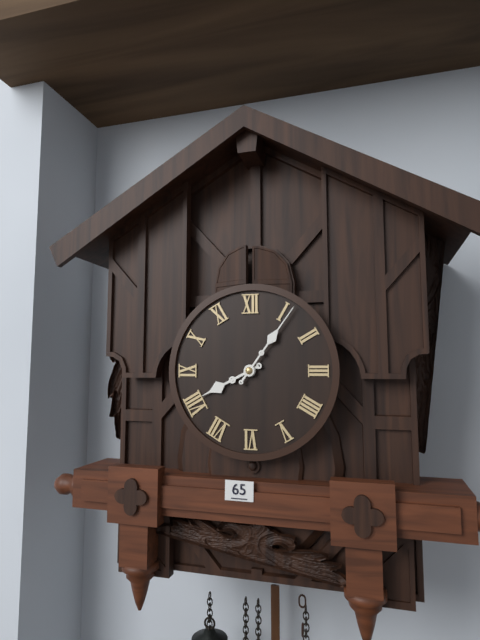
h=8 m=6
